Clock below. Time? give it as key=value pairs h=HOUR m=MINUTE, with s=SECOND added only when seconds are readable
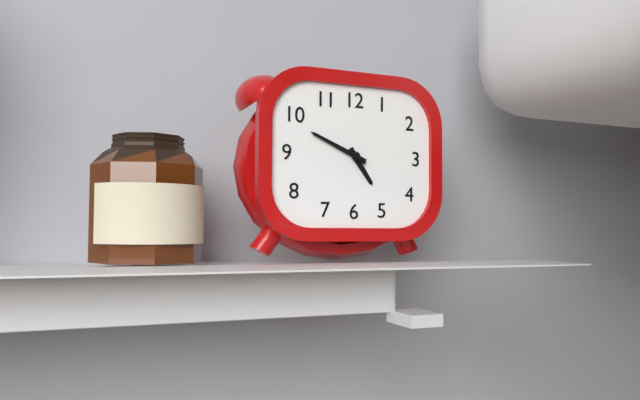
h=4 m=49
